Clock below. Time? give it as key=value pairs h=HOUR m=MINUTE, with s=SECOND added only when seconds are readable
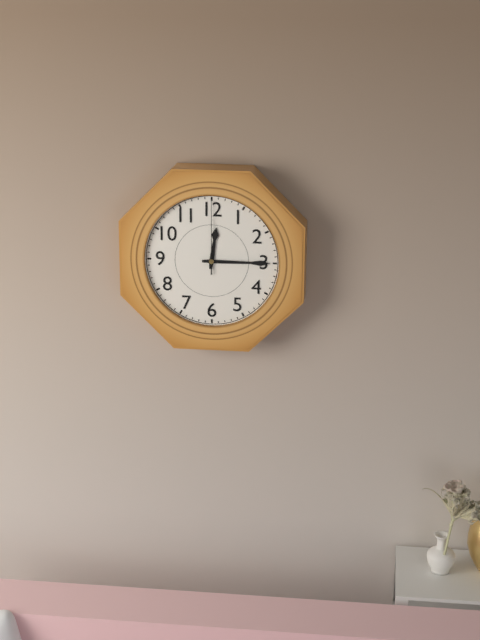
h=12 m=15 s=0
